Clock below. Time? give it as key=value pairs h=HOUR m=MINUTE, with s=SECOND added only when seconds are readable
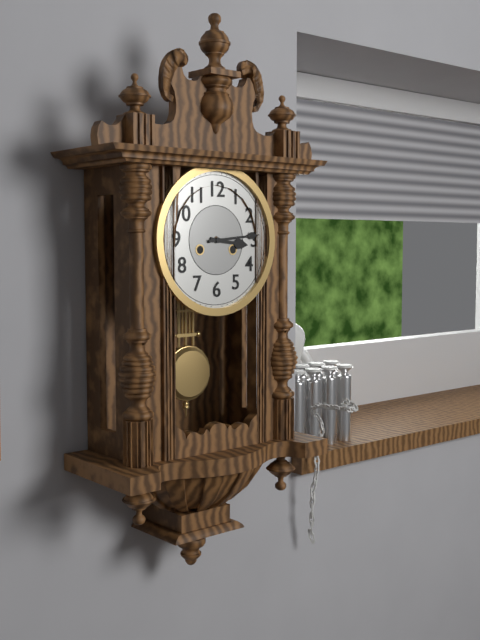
h=3 m=14
